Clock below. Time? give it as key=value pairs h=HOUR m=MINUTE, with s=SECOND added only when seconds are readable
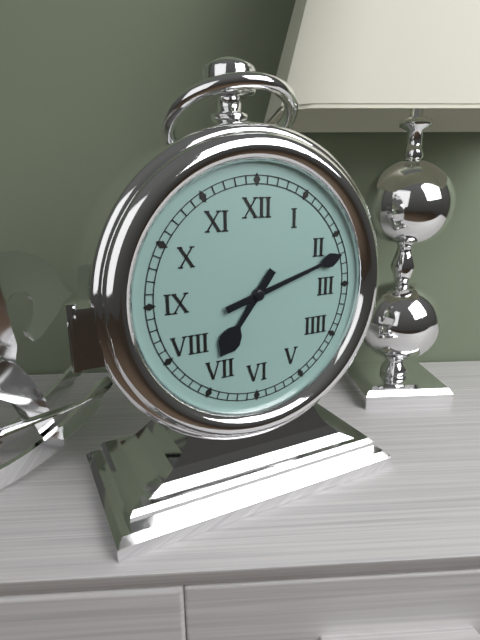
h=7 m=12
